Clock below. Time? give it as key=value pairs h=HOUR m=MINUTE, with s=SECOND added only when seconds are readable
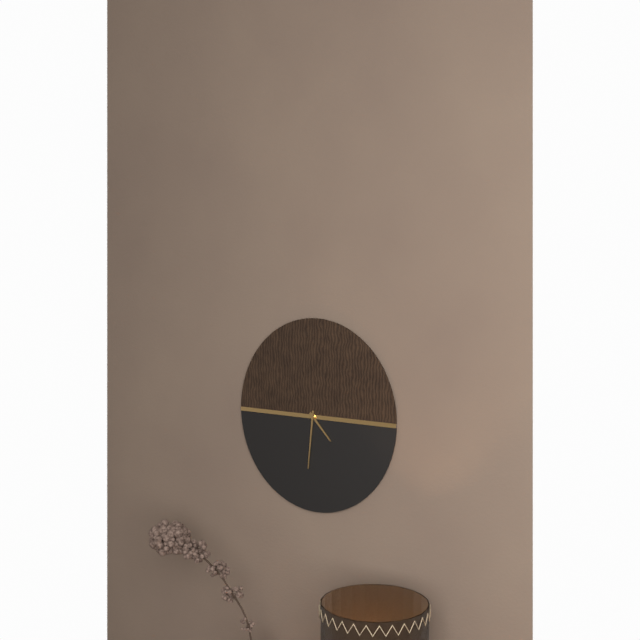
h=4 m=31
